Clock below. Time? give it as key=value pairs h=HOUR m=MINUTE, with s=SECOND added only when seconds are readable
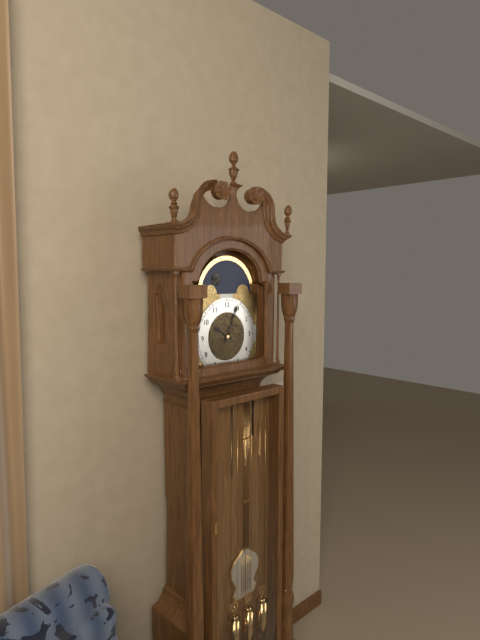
h=10 m=4
